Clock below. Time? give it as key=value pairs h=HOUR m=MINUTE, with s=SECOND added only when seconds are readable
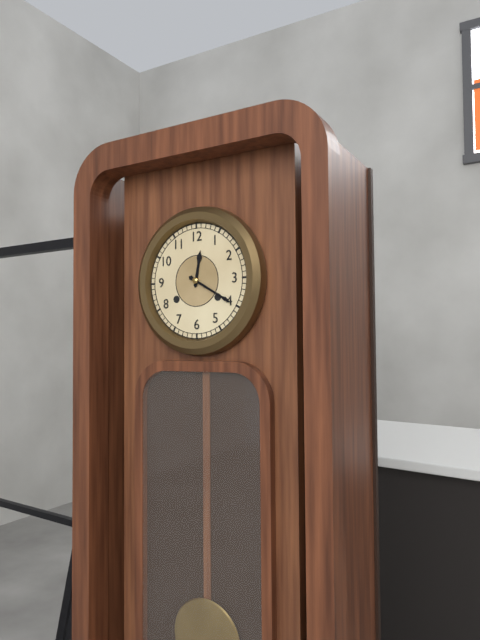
h=12 m=20
